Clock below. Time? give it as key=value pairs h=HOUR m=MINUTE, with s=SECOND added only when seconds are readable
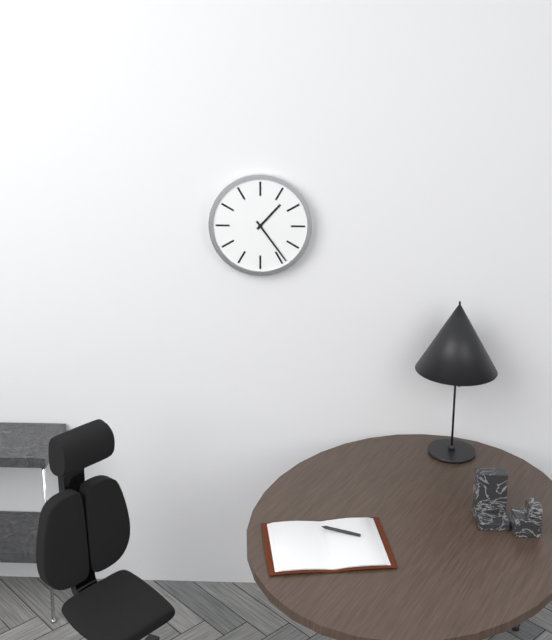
h=1 m=24
